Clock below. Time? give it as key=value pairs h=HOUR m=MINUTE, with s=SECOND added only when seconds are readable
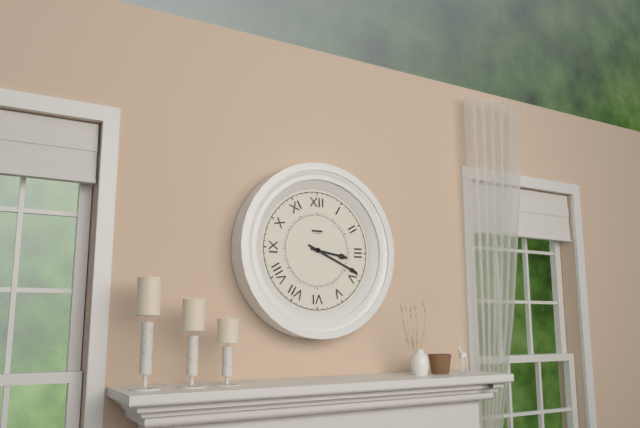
h=3 m=19
